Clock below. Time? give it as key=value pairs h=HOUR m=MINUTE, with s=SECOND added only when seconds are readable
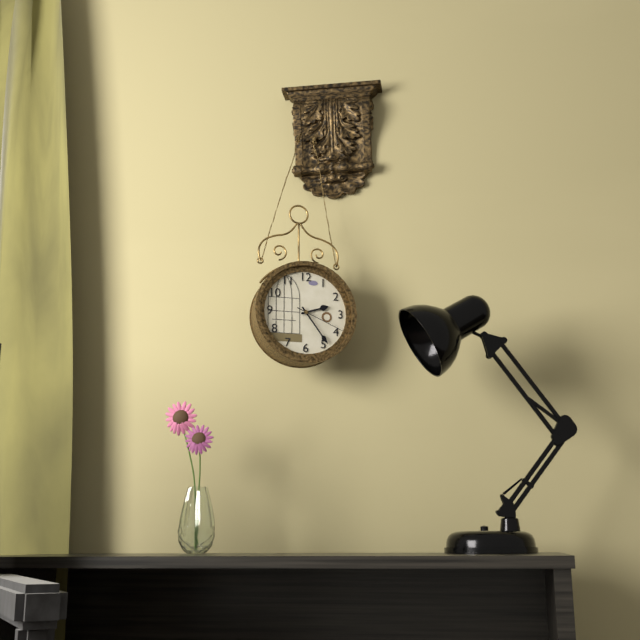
h=2 m=24 s=19
